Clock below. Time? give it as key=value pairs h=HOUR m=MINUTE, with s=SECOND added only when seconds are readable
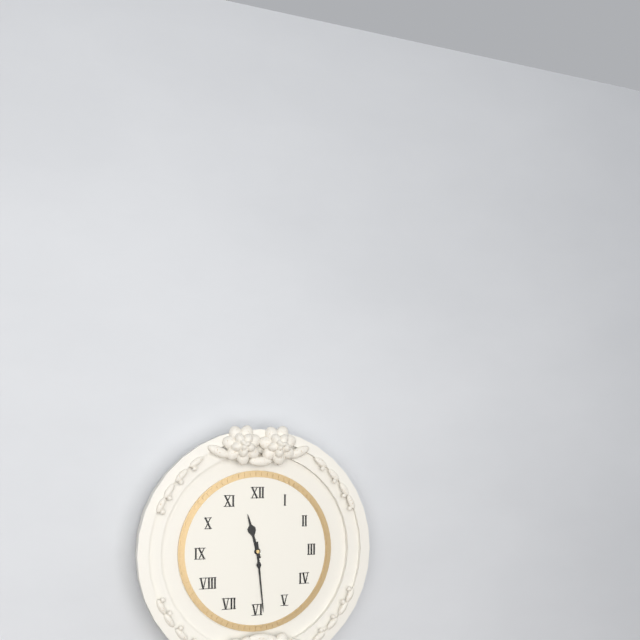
h=11 m=29
